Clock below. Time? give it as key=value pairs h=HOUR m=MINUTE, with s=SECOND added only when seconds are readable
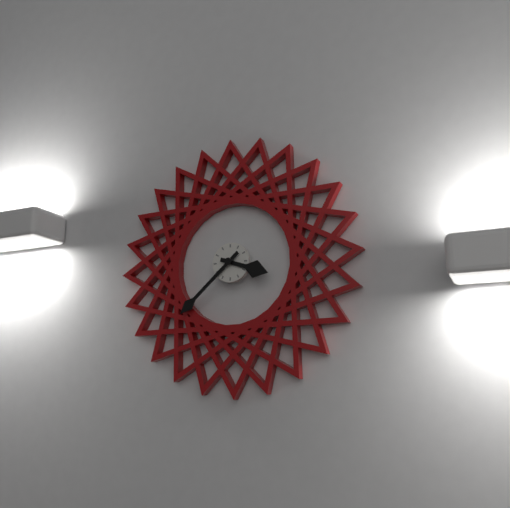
h=3 m=38
